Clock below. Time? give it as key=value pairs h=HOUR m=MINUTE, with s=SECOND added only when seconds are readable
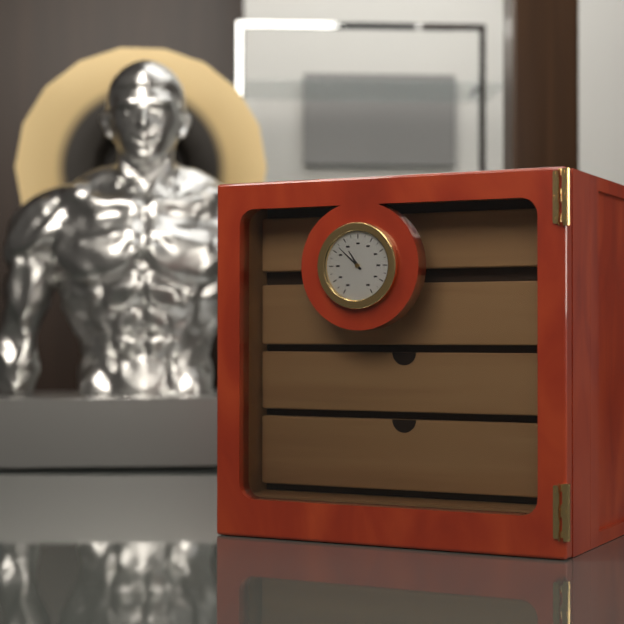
h=10 m=52
